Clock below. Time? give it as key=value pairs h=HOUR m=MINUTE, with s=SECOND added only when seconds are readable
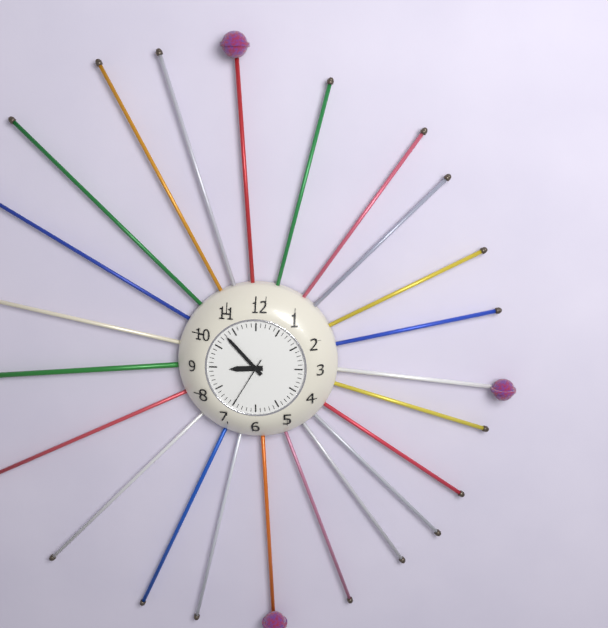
h=8 m=53 s=35
